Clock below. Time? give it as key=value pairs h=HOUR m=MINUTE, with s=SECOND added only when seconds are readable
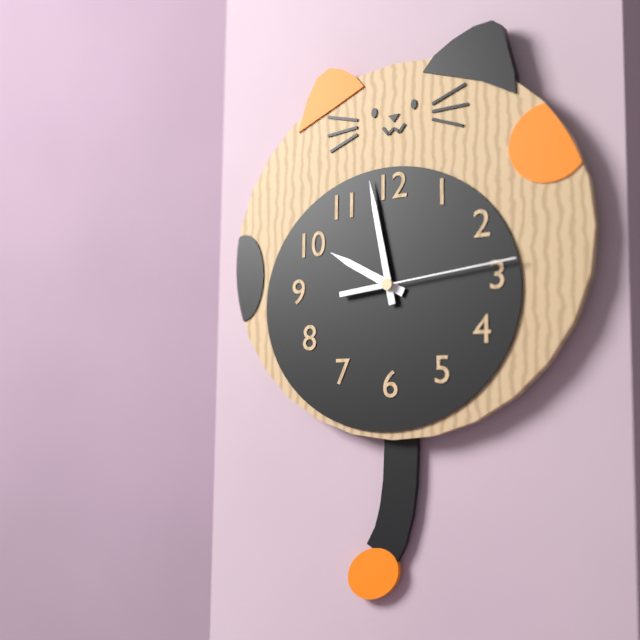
h=9 m=58 s=14
